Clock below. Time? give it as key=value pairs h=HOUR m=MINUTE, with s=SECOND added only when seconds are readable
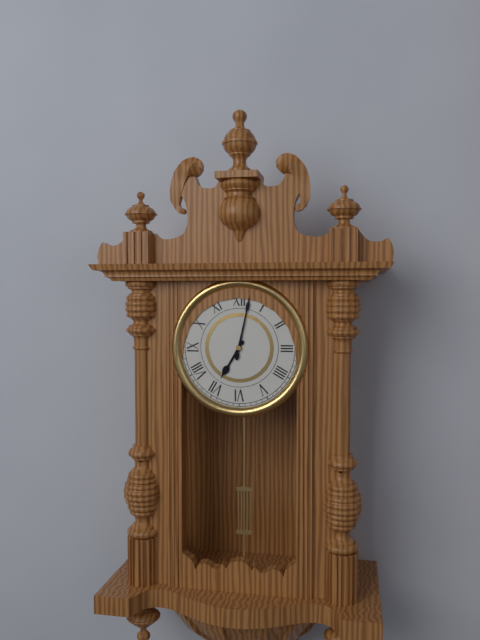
h=7 m=2
